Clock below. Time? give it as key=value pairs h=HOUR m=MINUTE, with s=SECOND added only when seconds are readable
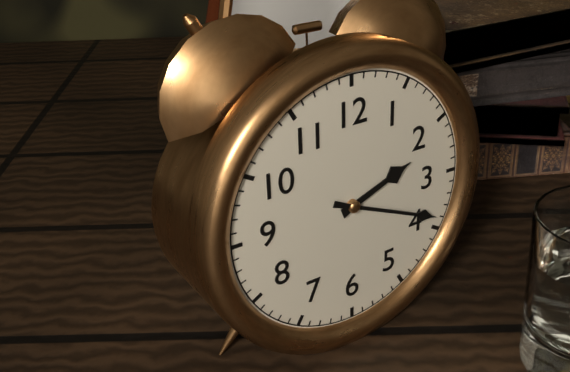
h=2 m=19
